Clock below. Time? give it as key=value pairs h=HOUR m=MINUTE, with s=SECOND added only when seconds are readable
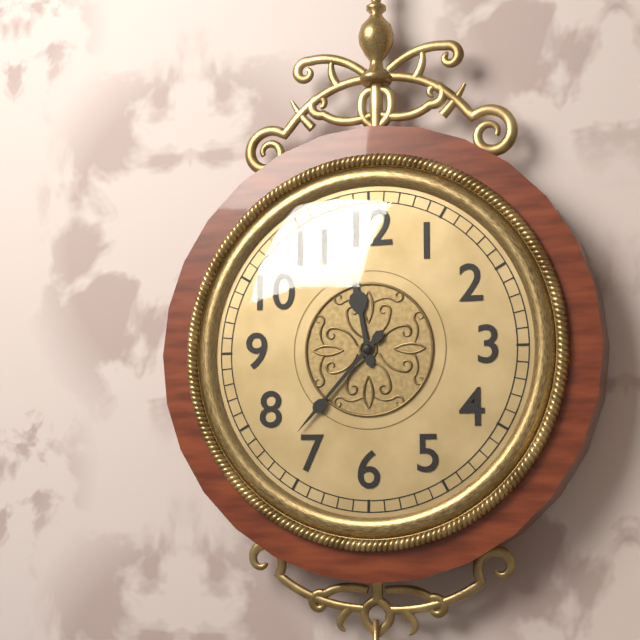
h=11 m=37
